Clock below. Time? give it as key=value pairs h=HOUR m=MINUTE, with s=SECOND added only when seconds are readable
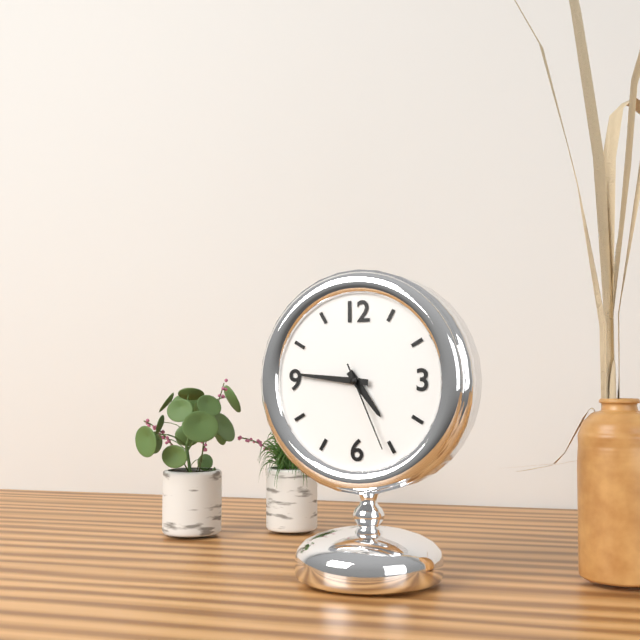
h=4 m=46 s=26
